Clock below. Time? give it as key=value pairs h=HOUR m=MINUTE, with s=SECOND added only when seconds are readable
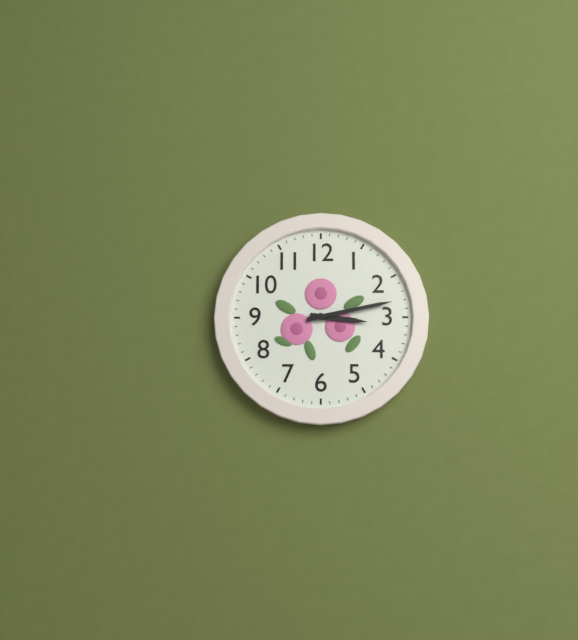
h=3 m=13
